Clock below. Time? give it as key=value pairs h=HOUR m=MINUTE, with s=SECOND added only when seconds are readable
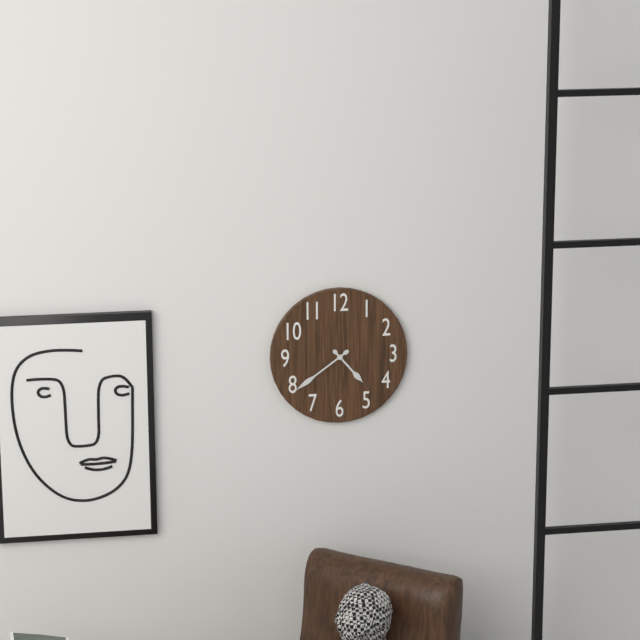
h=4 m=39
